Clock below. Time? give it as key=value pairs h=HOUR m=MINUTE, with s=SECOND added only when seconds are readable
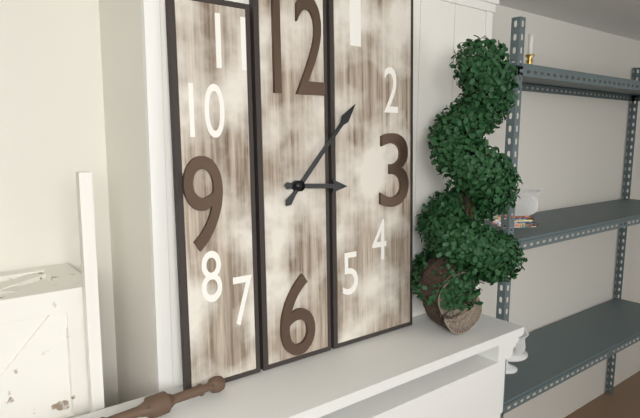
h=3 m=7
